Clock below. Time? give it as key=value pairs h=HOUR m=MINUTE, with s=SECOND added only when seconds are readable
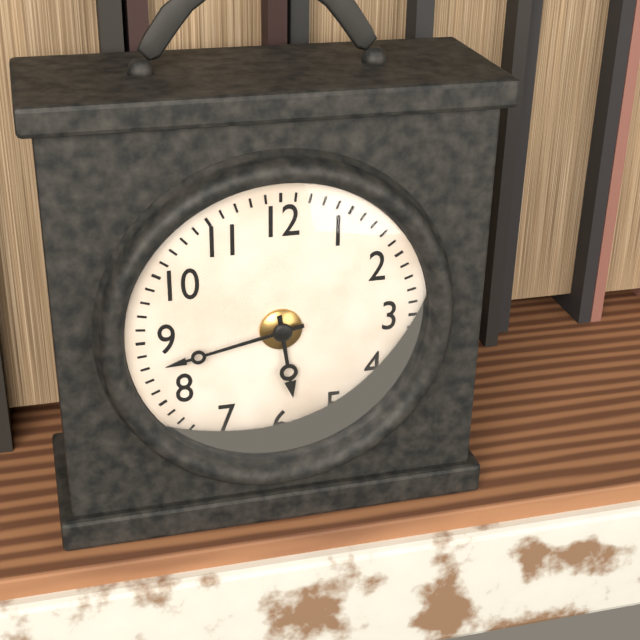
h=5 m=43
